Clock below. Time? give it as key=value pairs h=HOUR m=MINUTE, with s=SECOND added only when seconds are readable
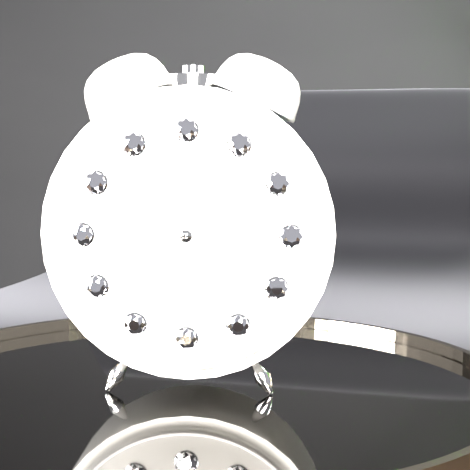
h=9 m=57 s=20
